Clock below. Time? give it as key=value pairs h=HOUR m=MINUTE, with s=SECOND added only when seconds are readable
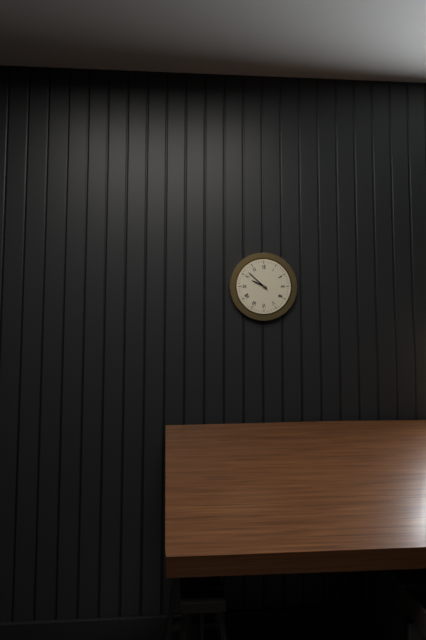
h=9 m=52
